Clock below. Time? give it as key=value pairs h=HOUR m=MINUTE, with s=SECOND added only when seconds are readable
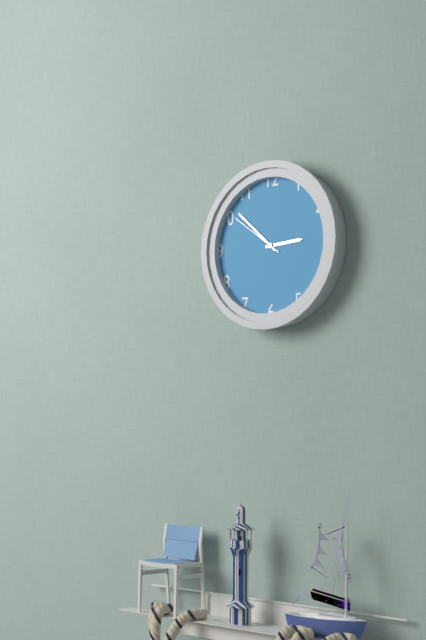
h=2 m=52 s=51
